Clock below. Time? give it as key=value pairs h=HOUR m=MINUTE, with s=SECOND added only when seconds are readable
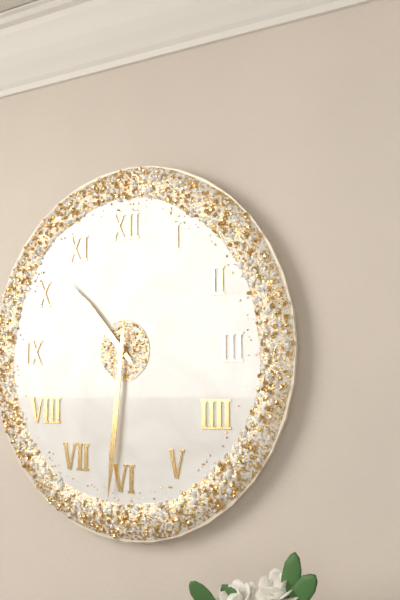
h=10 m=31
